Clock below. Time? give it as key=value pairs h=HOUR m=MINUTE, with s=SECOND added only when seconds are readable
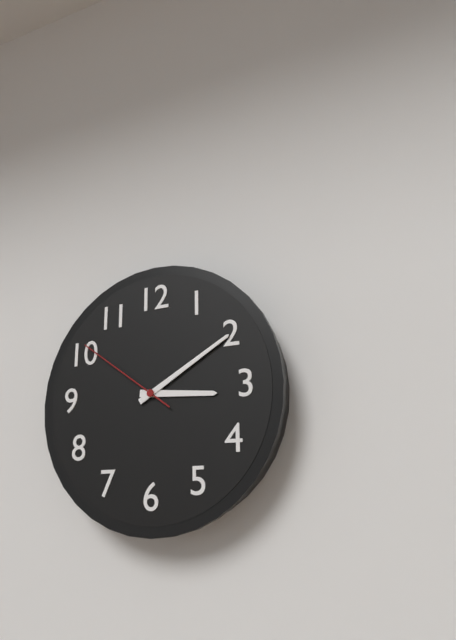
h=3 m=10 s=51
